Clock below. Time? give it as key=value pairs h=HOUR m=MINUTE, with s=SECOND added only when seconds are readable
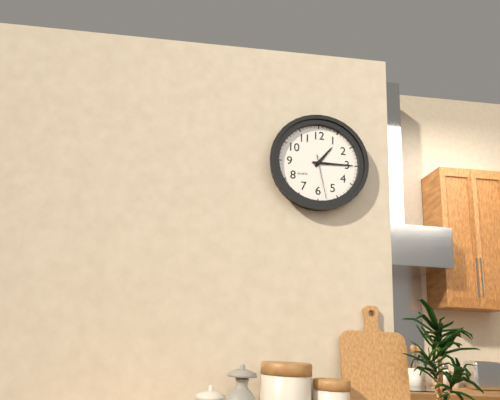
h=1 m=15
